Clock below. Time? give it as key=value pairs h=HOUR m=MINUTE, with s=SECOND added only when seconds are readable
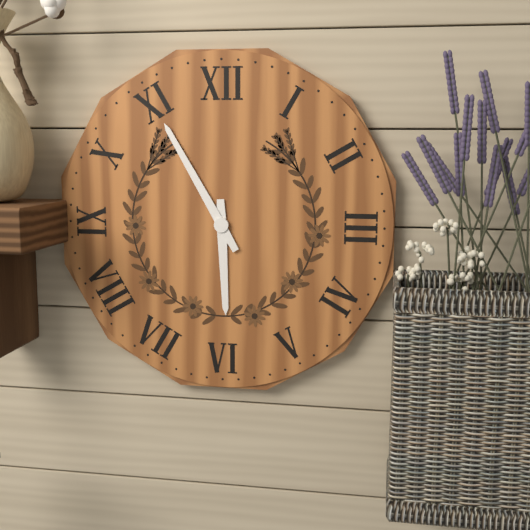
h=5 m=55
